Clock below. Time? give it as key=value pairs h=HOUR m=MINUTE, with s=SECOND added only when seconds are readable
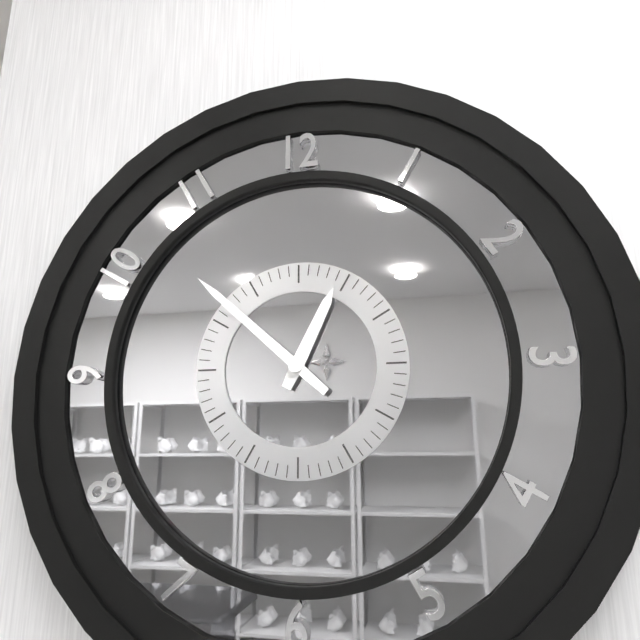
h=12 m=52
